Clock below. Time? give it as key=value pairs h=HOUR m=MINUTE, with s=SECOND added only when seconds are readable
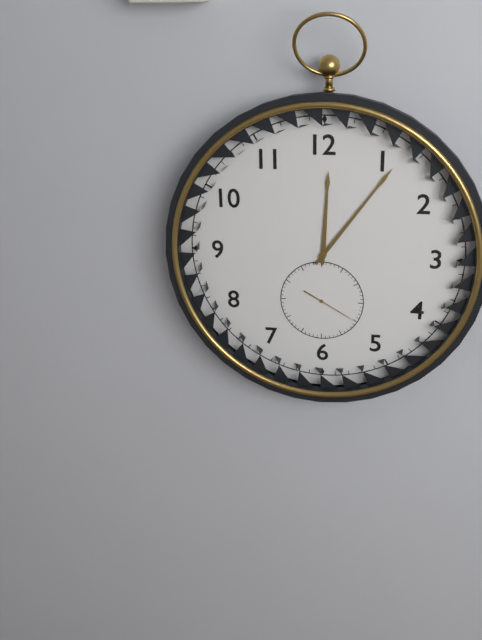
h=12 m=6
